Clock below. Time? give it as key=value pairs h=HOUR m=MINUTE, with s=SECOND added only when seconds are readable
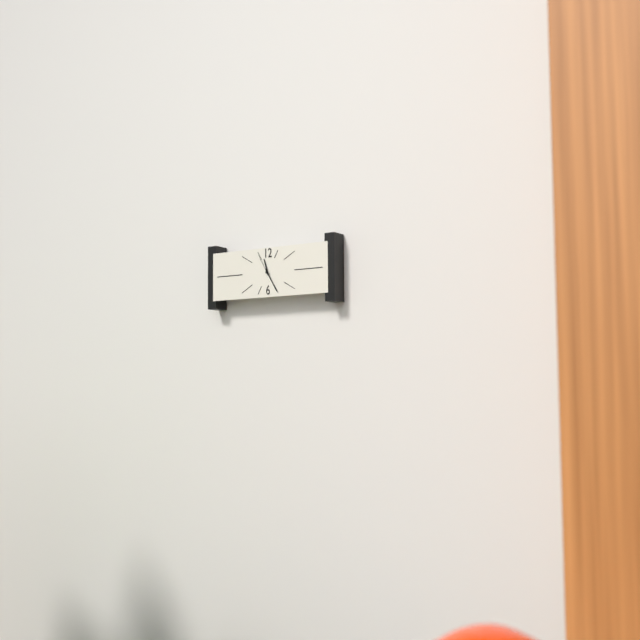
h=11 m=25
